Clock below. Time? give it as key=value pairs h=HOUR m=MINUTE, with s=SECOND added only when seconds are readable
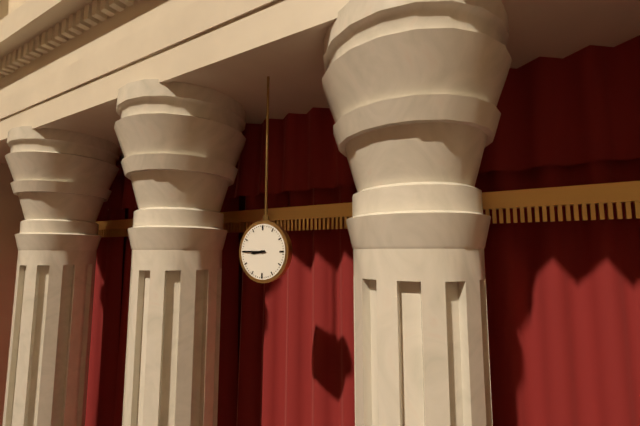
h=8 m=45
